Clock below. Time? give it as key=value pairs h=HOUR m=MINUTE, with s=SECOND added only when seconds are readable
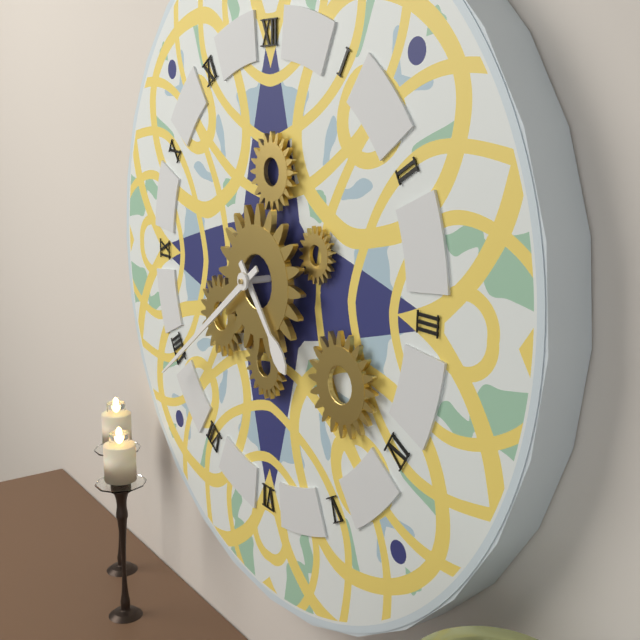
h=4 m=39
